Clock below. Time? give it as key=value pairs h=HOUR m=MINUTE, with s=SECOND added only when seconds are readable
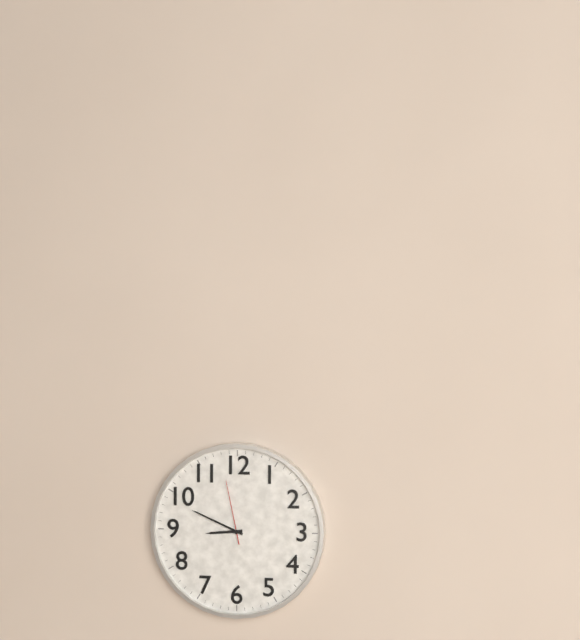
h=8 m=49 s=58
